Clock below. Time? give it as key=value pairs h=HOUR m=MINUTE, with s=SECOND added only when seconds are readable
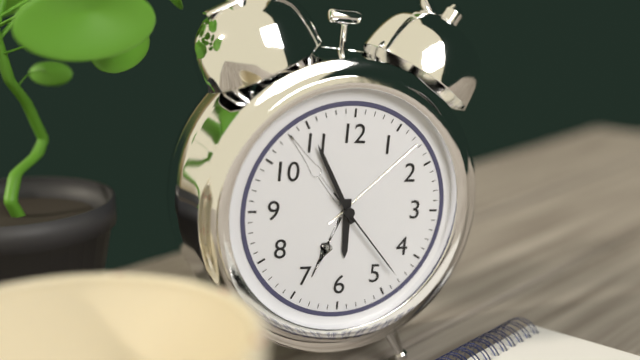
h=5 m=55 s=23
